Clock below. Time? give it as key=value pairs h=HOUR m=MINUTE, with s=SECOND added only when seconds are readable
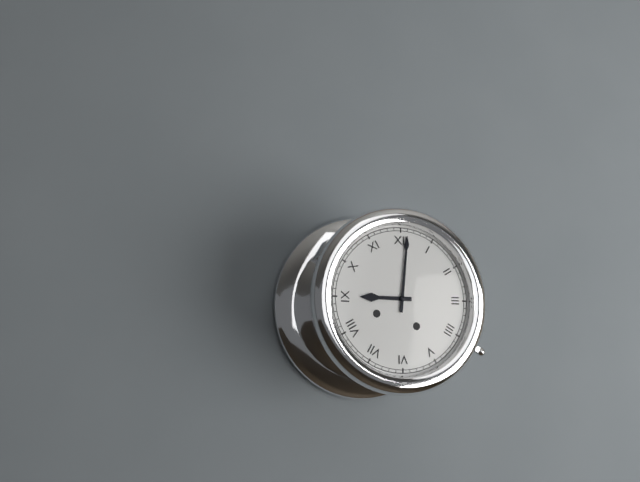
h=9 m=1
